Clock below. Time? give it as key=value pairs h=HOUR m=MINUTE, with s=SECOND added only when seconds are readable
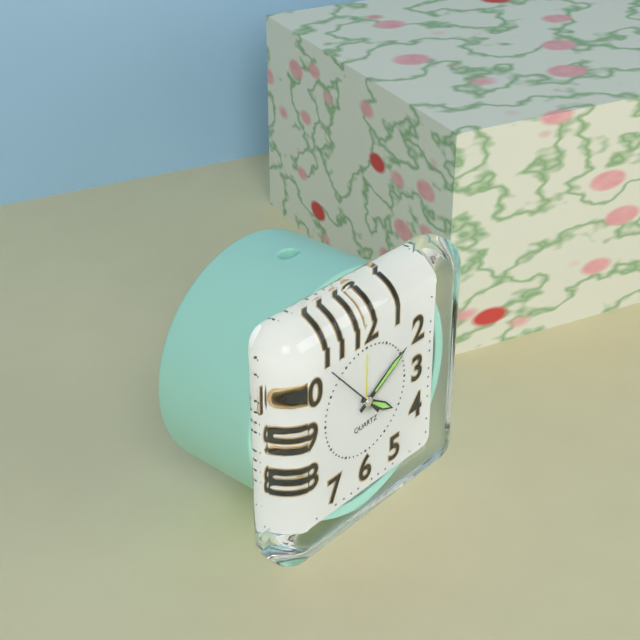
h=4 m=10
